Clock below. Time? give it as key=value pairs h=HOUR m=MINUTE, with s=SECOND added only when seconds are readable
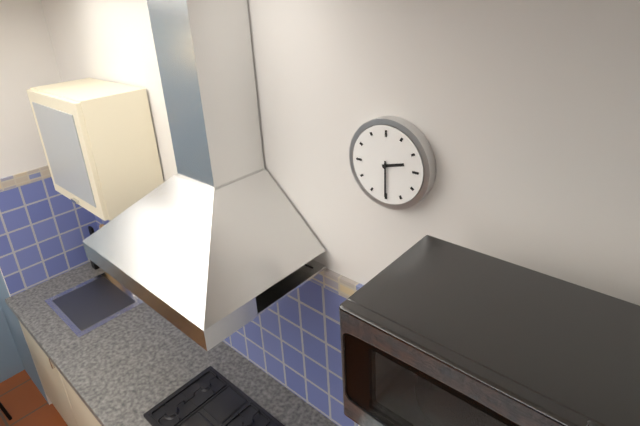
h=2 m=30
